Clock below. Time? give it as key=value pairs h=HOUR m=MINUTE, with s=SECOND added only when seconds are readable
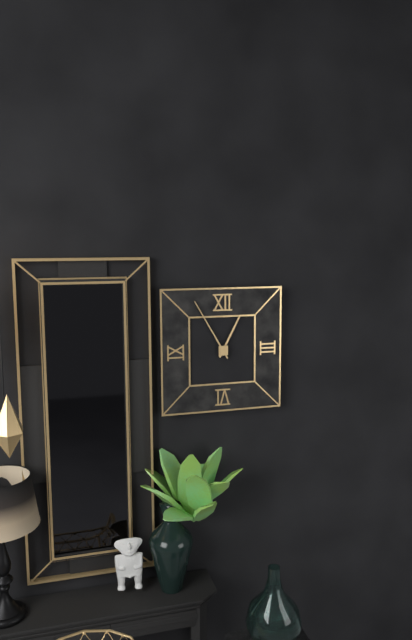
h=12 m=55
